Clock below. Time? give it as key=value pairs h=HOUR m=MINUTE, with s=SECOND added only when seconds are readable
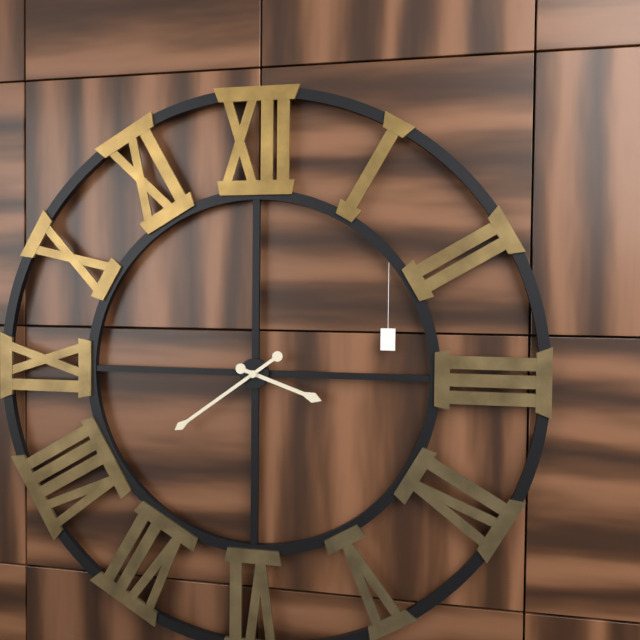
h=3 m=39
